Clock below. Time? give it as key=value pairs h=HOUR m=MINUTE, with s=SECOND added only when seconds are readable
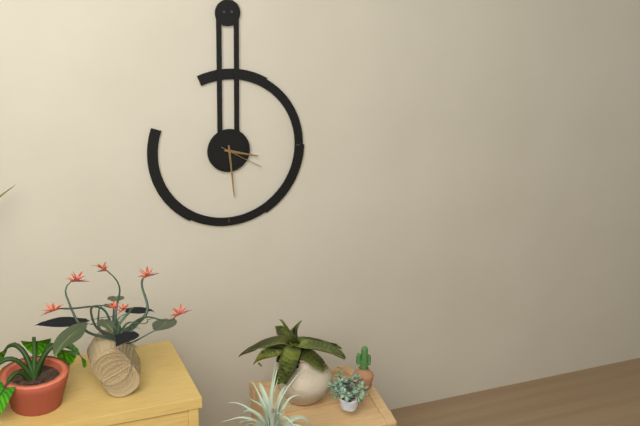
h=3 m=29
